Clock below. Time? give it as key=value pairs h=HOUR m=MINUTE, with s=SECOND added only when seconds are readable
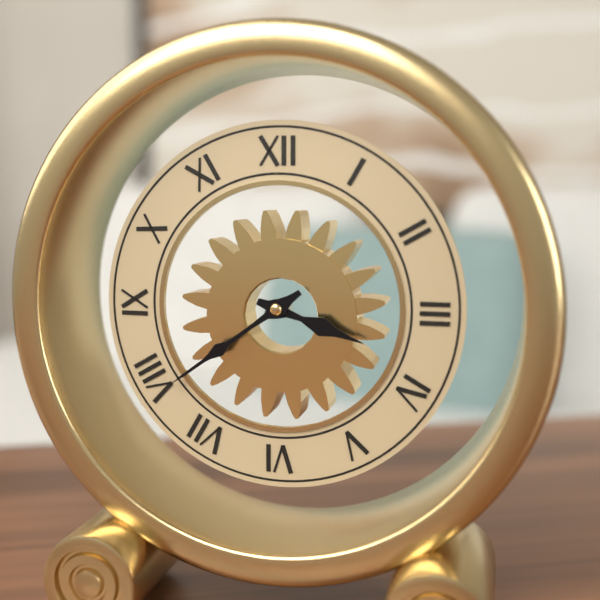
h=3 m=39
